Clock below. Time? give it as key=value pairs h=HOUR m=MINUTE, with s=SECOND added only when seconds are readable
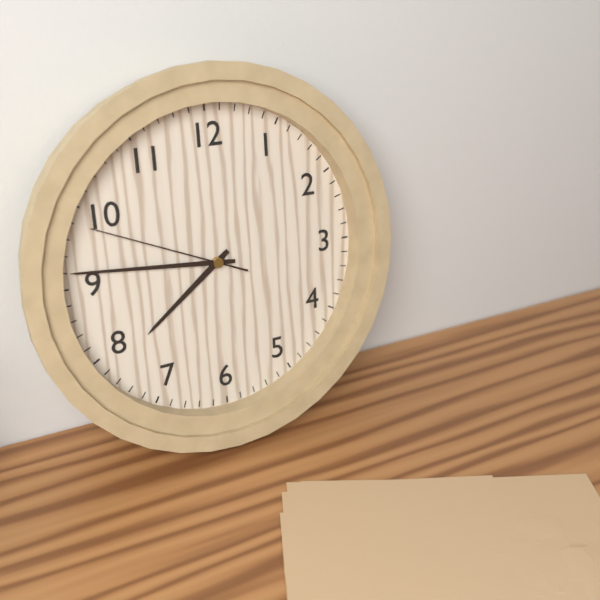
h=7 m=46 s=49
